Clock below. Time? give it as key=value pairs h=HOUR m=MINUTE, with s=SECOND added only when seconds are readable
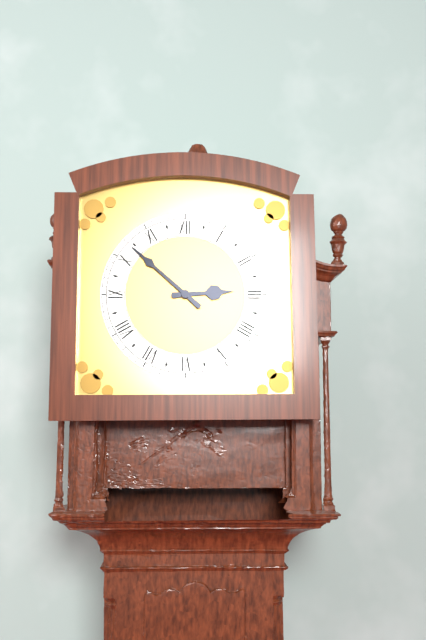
h=2 m=52
